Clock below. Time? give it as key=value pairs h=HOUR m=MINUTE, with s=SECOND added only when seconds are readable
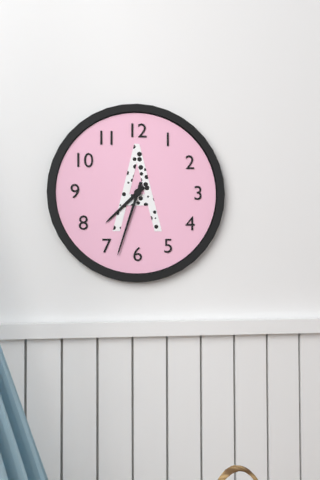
h=7 m=33
